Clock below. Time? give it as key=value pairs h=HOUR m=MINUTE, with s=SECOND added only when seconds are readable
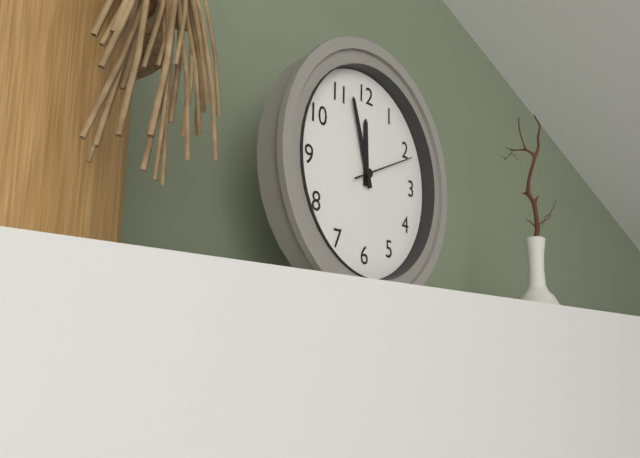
h=11 m=57 s=11
